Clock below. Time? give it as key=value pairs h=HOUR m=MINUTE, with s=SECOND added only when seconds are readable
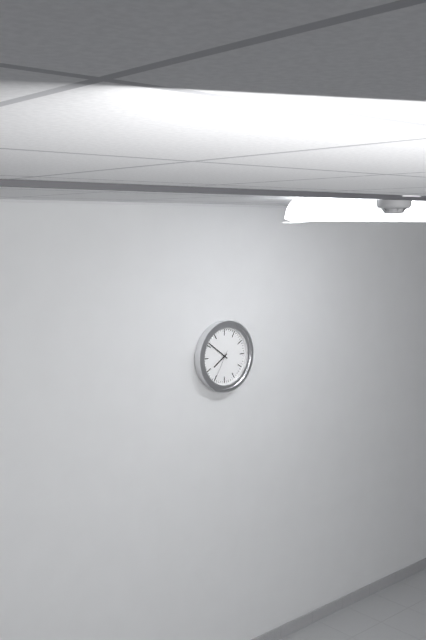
h=7 m=51
